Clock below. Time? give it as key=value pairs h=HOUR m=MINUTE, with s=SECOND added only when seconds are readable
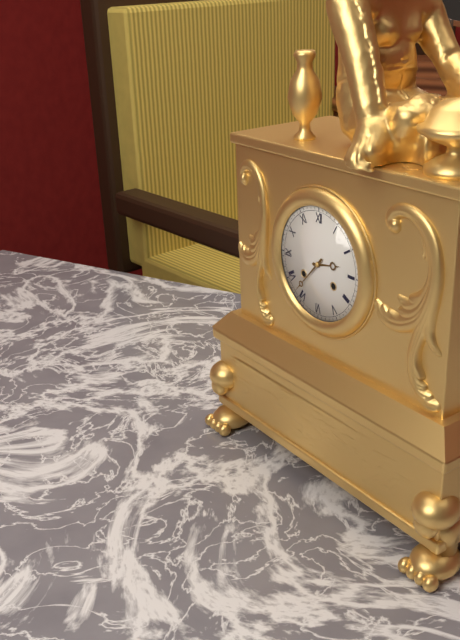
h=2 m=37
